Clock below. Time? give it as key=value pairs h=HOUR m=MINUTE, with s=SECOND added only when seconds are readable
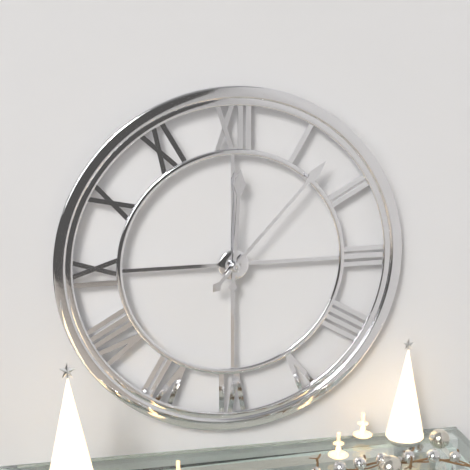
h=12 m=7
